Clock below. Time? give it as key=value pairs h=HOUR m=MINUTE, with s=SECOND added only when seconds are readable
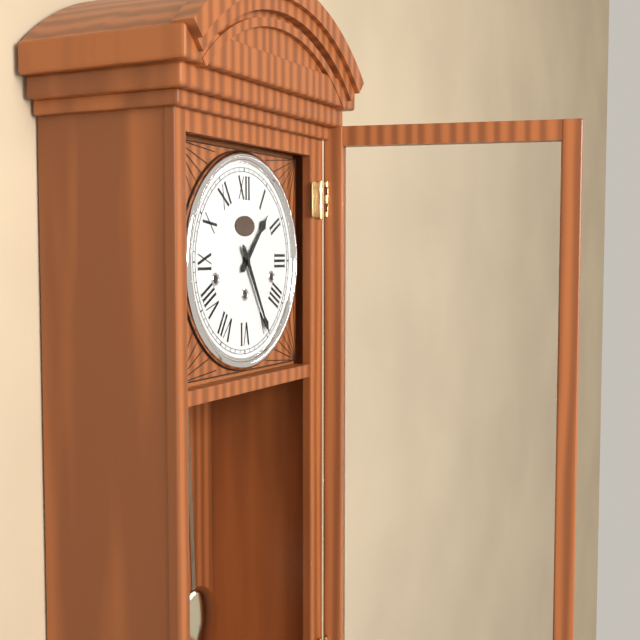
h=1 m=25
